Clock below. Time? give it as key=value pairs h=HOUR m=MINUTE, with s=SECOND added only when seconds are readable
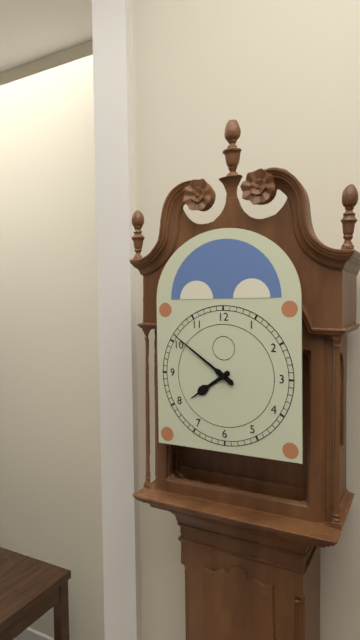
h=7 m=51
